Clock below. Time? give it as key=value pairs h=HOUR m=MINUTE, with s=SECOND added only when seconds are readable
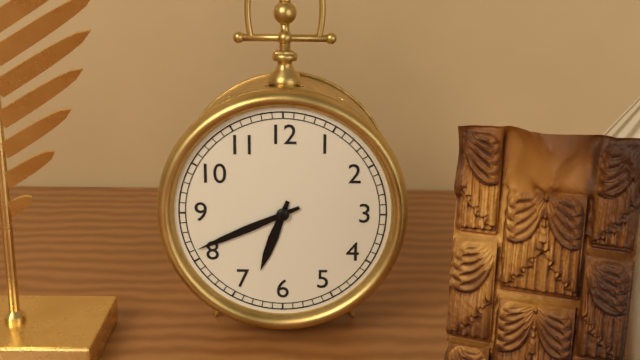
h=6 m=41
